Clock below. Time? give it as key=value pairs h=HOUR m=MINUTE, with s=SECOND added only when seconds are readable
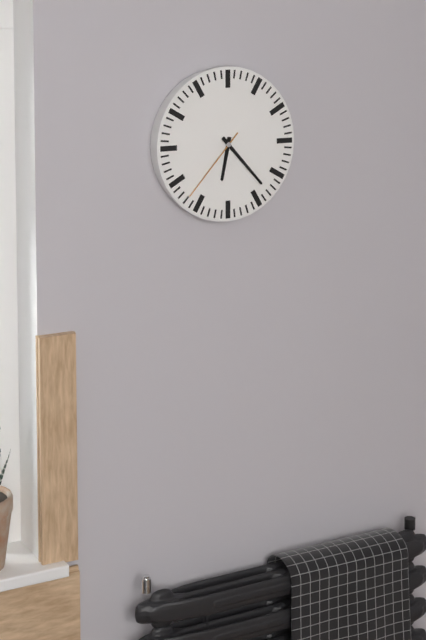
h=6 m=23 s=37
